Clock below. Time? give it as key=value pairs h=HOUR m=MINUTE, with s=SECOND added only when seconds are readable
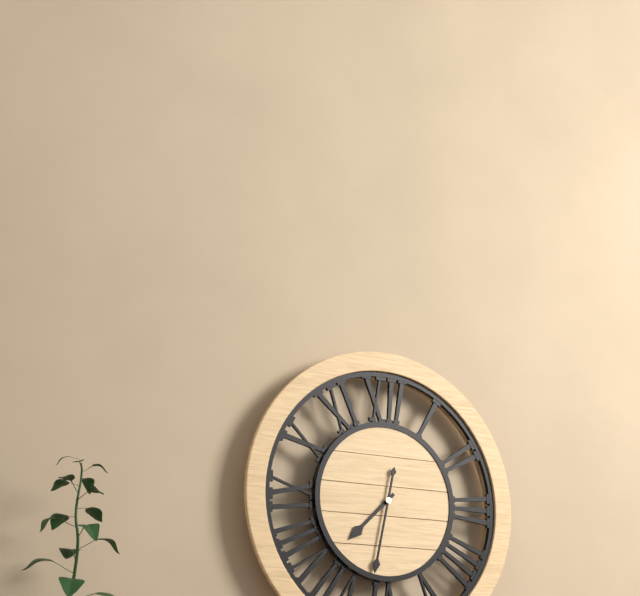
h=7 m=32
